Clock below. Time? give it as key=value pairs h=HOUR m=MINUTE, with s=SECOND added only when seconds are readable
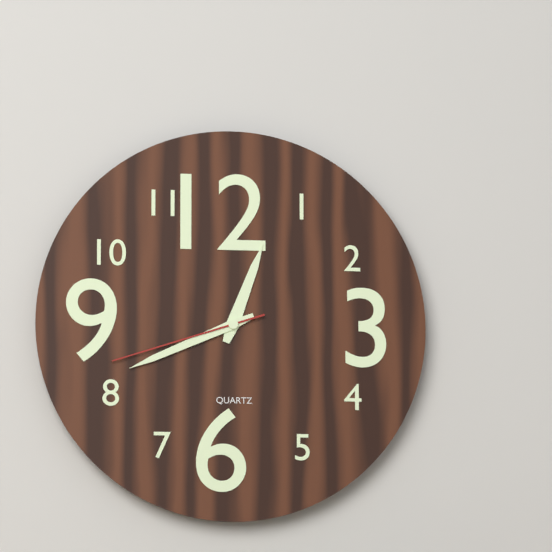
h=12 m=41 s=42
